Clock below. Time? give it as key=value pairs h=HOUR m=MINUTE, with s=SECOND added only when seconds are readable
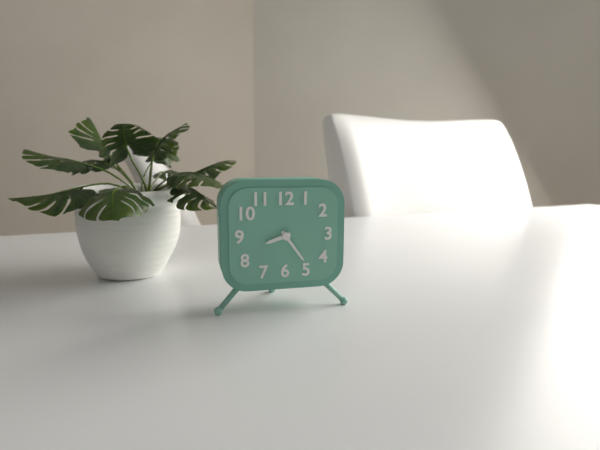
h=8 m=24
